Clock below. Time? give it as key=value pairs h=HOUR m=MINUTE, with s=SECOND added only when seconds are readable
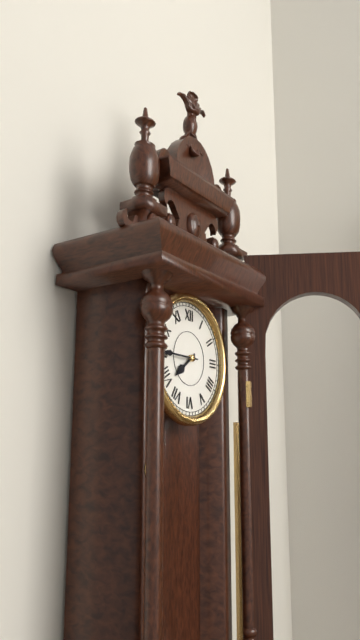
h=7 m=45
